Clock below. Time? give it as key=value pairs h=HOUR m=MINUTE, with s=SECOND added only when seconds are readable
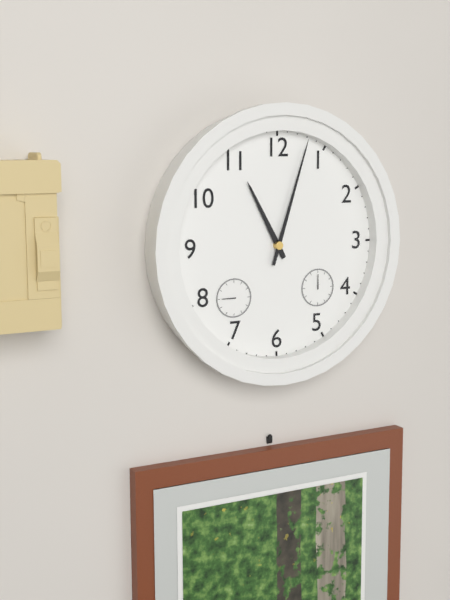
h=11 m=3
